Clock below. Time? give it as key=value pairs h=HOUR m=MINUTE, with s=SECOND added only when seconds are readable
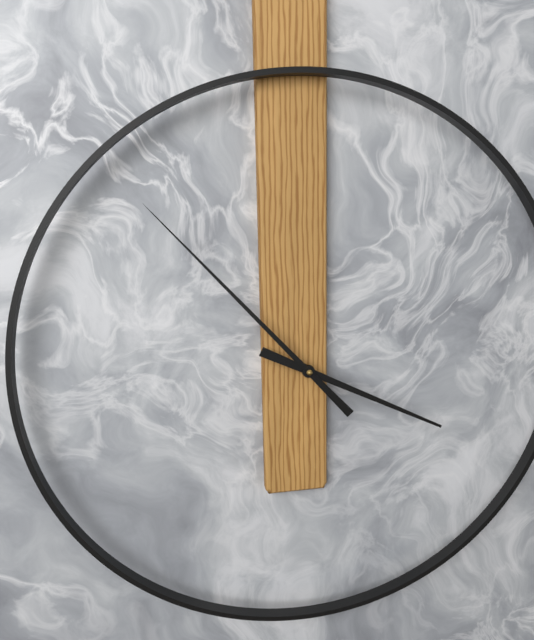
h=3 m=53
